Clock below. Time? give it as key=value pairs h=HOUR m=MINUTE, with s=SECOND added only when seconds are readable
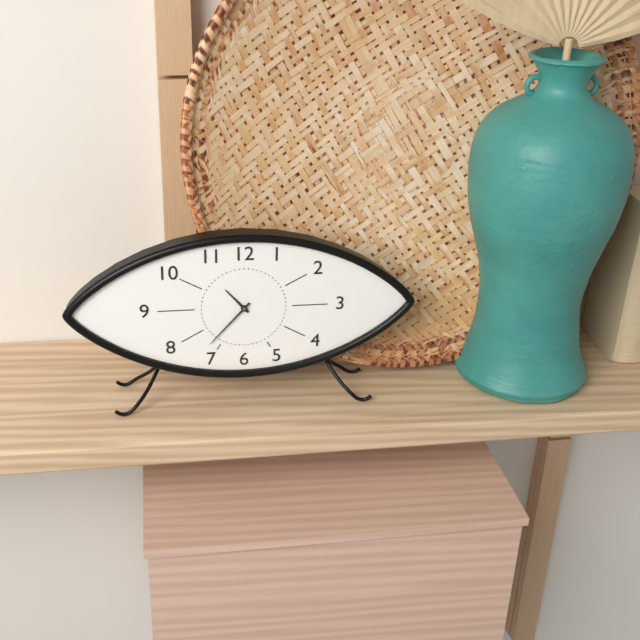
h=10 m=37
